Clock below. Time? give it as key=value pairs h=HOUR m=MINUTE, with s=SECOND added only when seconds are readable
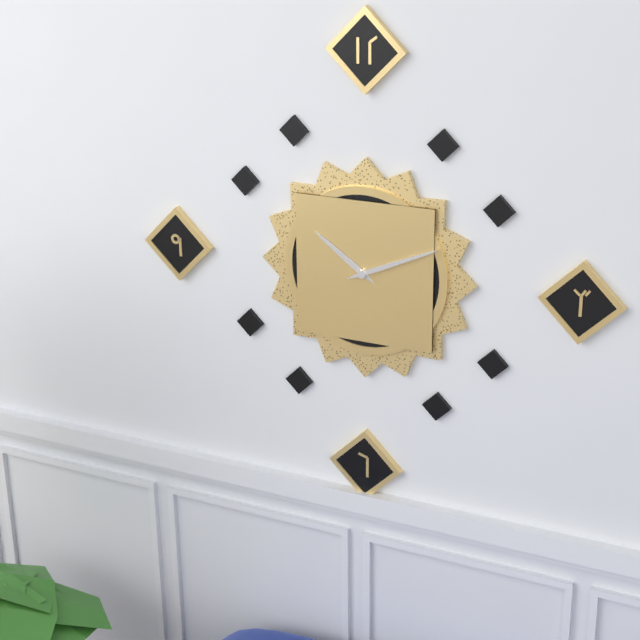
h=10 m=11
